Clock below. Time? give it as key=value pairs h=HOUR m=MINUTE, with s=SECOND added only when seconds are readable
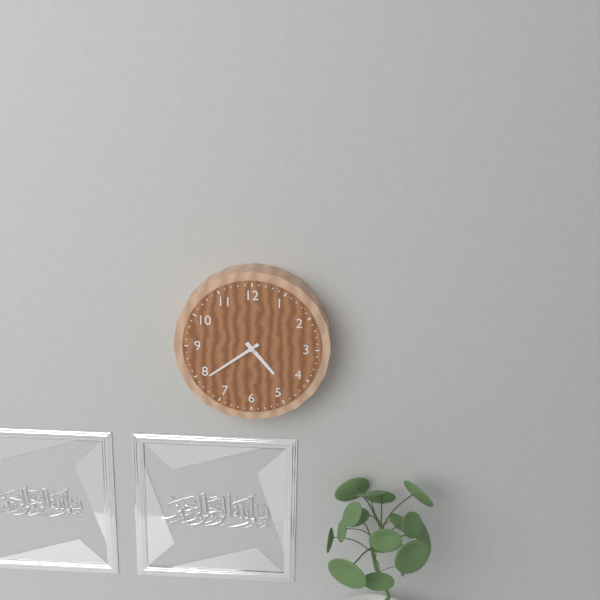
h=4 m=39
